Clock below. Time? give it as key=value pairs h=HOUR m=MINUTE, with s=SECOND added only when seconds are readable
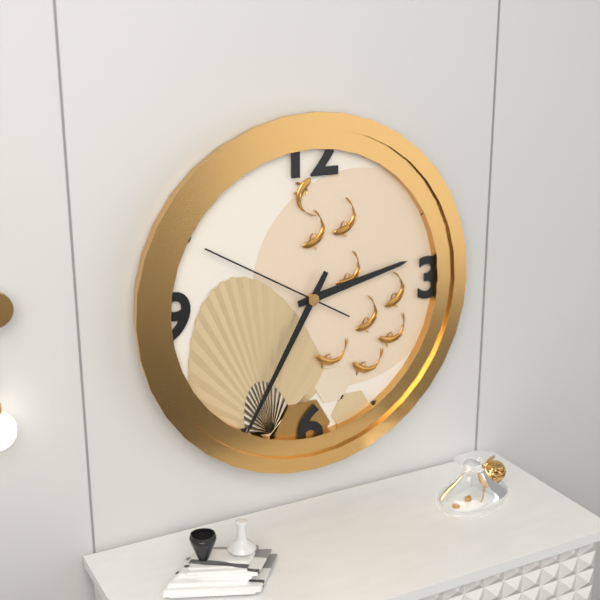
h=2 m=35 s=50
